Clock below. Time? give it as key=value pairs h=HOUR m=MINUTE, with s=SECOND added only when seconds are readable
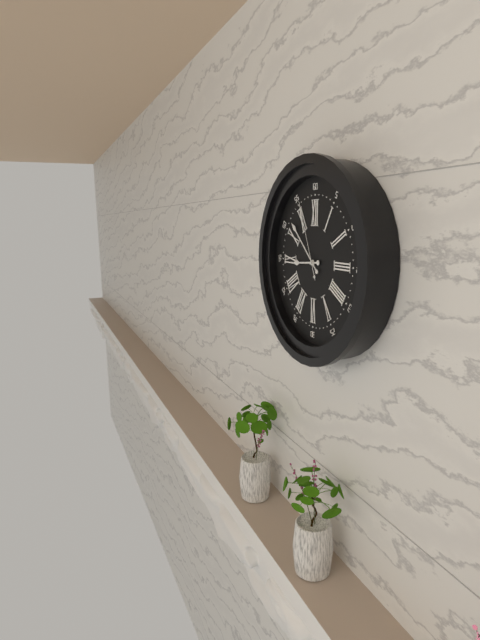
h=8 m=52 s=56
